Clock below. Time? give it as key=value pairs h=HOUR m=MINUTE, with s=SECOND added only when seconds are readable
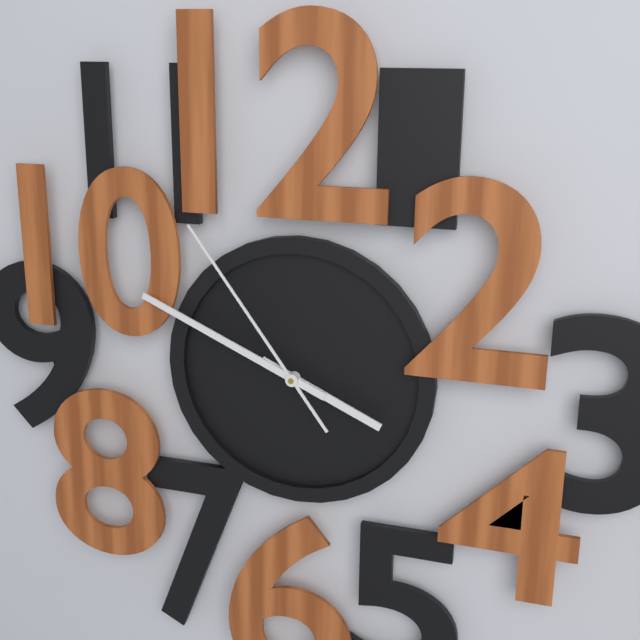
h=3 m=49 s=54
